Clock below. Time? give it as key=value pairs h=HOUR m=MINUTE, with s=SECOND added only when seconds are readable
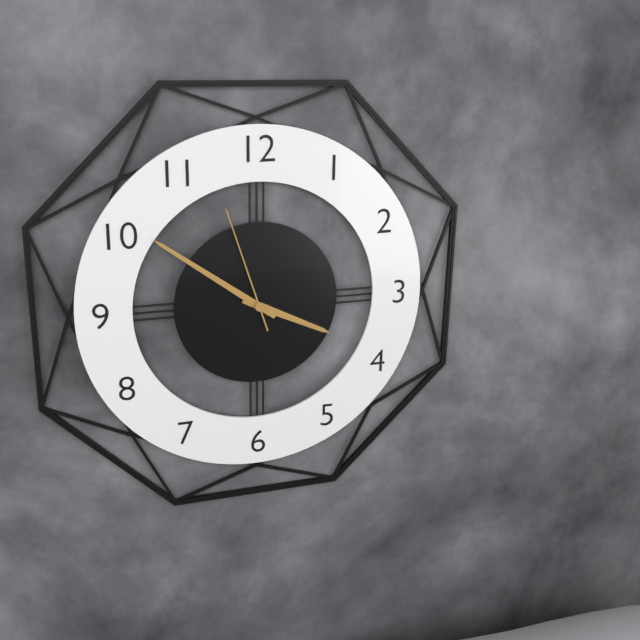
h=3 m=51 s=57
